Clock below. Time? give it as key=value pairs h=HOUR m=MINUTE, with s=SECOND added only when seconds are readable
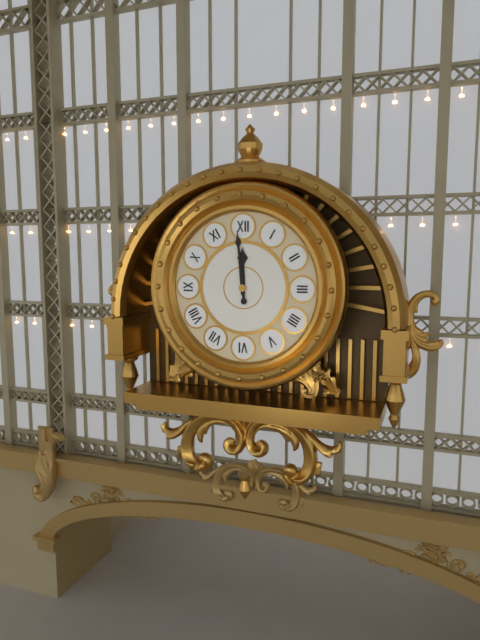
h=11 m=59
